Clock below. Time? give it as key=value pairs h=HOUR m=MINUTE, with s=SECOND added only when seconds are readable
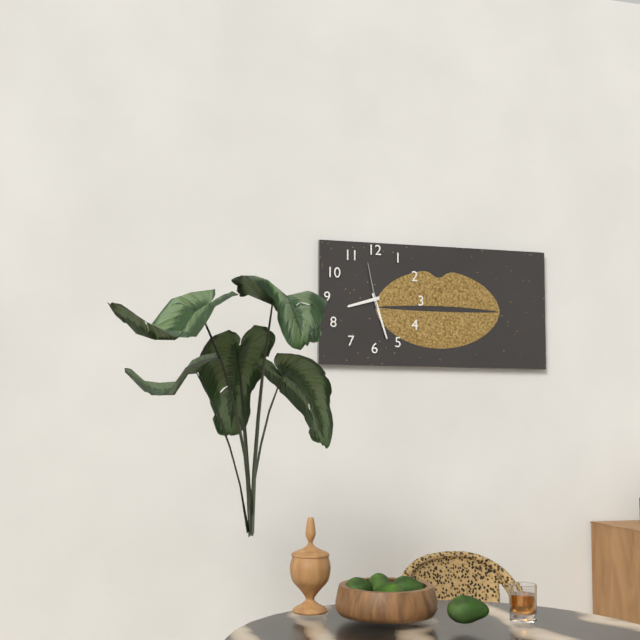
h=8 m=27
